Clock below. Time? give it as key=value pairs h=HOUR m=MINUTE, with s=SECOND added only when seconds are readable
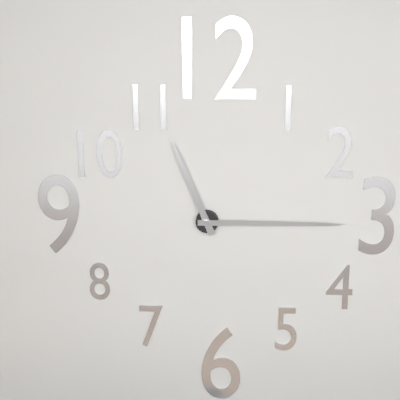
h=11 m=15
